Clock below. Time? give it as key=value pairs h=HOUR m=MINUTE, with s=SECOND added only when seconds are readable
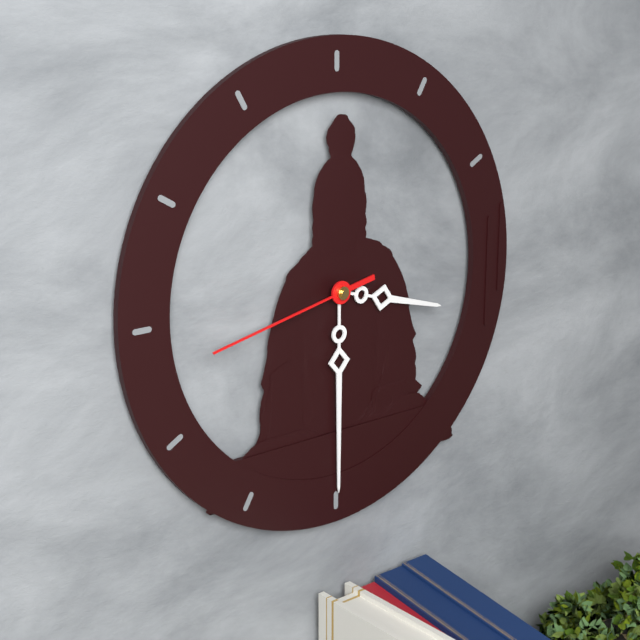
h=3 m=30 s=43
